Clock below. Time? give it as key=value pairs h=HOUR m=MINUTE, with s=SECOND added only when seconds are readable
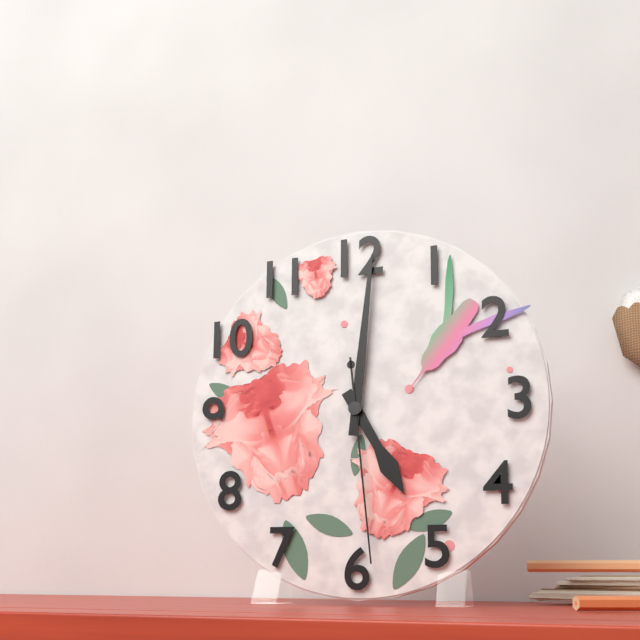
h=5 m=1 s=29
